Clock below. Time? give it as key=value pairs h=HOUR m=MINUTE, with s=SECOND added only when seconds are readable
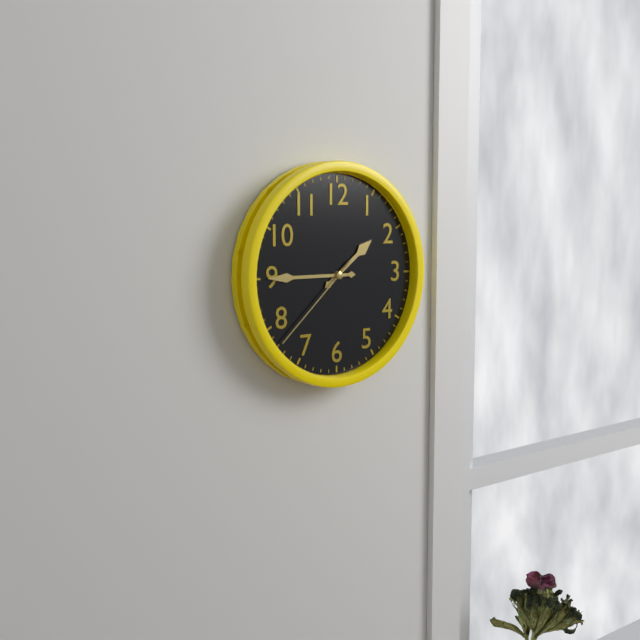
h=1 m=45 s=38
